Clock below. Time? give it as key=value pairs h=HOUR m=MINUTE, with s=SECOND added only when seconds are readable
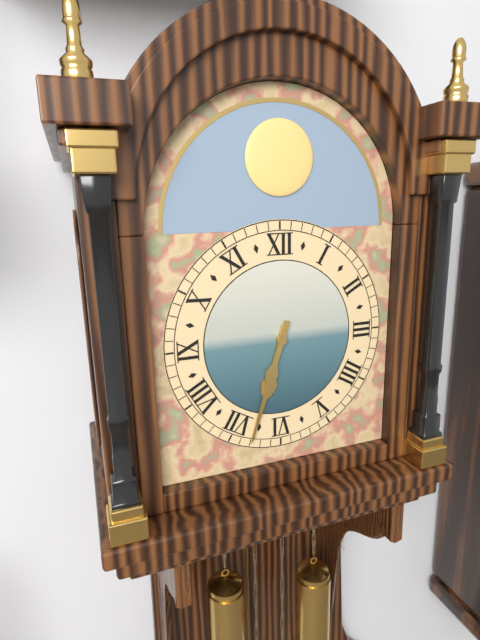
h=6 m=33
